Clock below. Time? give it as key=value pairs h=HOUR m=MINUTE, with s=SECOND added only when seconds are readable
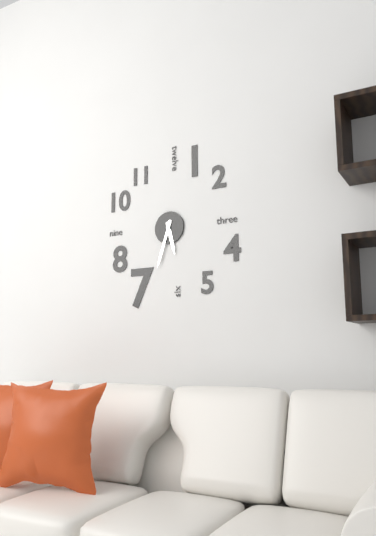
h=5 m=33
